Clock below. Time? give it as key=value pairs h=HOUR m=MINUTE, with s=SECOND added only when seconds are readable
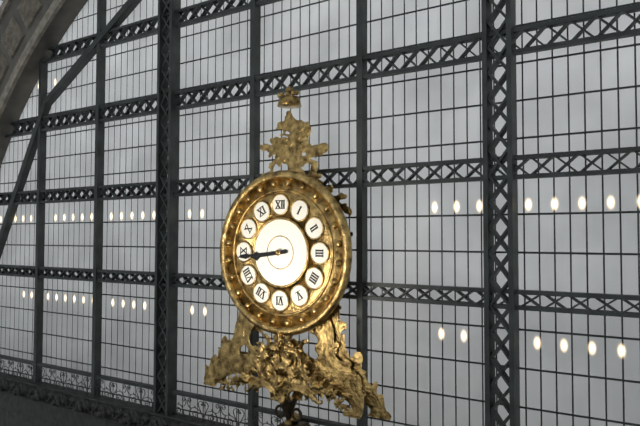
h=8 m=44
